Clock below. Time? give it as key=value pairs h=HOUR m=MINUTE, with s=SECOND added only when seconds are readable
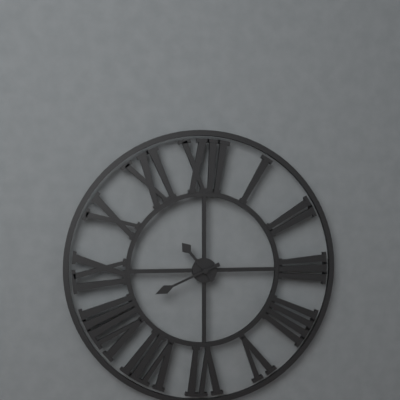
h=10 m=41
